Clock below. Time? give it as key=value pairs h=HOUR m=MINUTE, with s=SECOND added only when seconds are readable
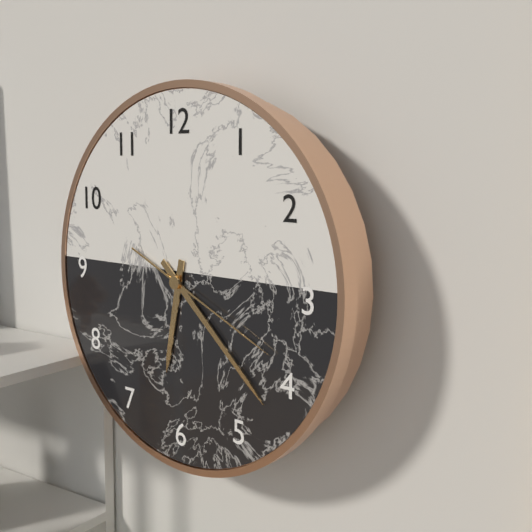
h=6 m=22 s=19
